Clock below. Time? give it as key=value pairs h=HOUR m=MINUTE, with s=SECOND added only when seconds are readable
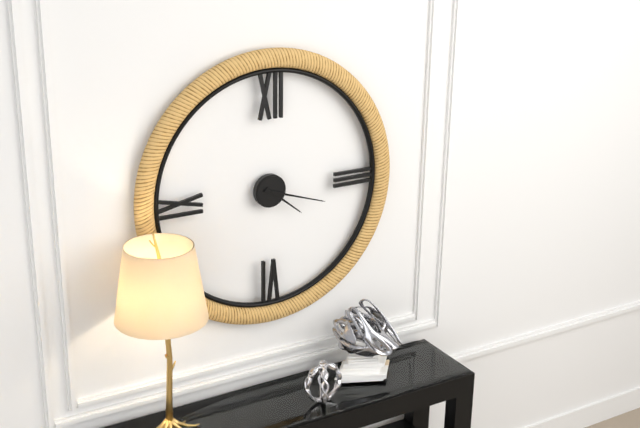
h=4 m=18
